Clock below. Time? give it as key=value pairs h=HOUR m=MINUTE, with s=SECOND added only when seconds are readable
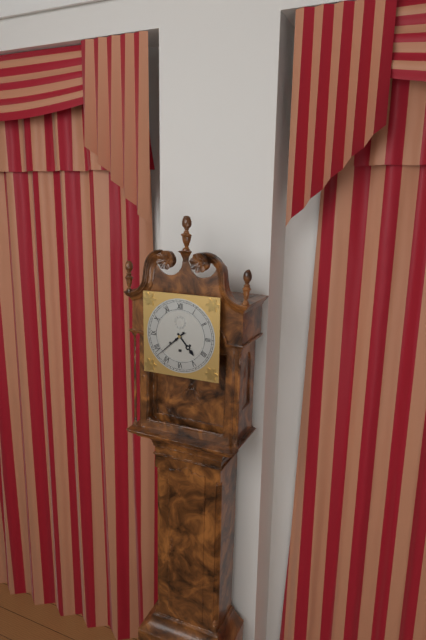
h=4 m=38
